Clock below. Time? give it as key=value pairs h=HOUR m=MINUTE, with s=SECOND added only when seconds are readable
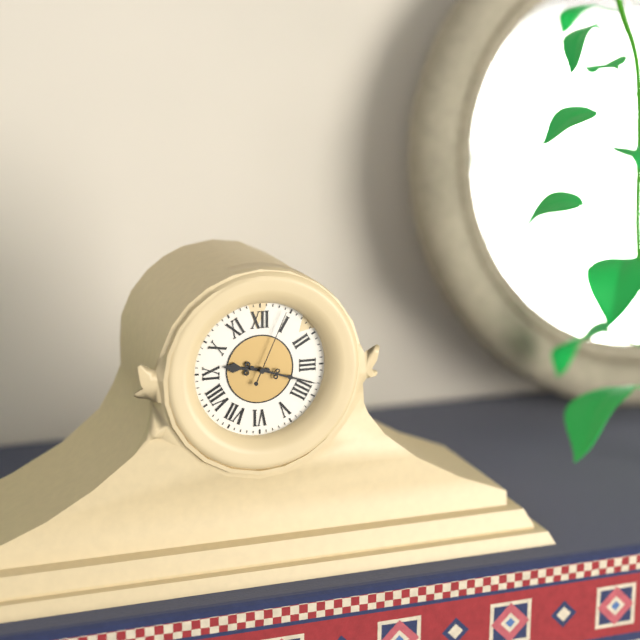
h=9 m=18 s=4
